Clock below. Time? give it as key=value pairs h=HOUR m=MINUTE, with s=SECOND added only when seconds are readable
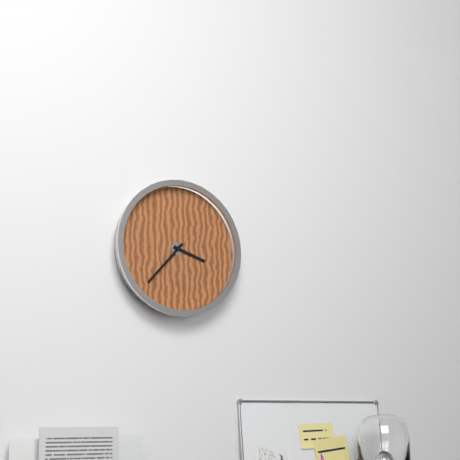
h=3 m=37
